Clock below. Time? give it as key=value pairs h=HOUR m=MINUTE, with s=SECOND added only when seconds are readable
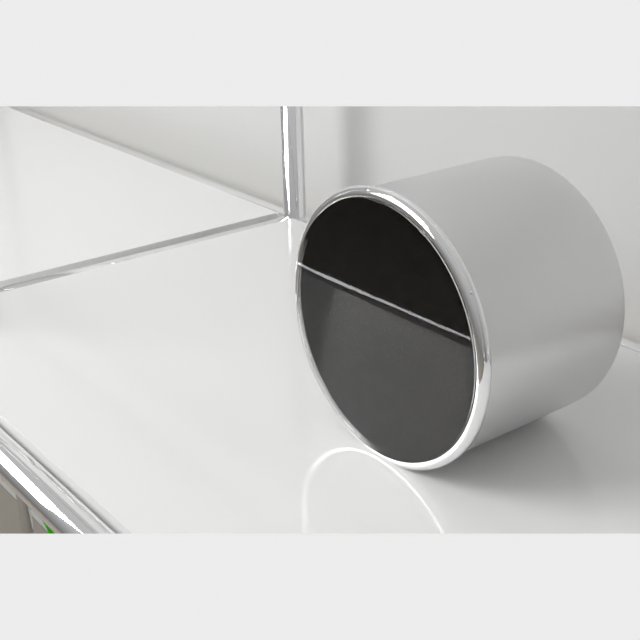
h=3 m=52 s=41
